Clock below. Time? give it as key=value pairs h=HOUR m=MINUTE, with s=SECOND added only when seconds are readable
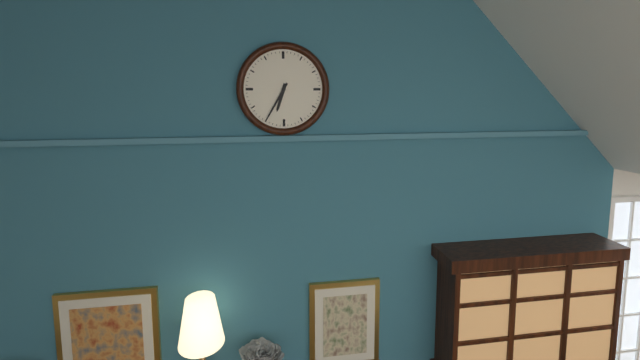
h=6 m=35
